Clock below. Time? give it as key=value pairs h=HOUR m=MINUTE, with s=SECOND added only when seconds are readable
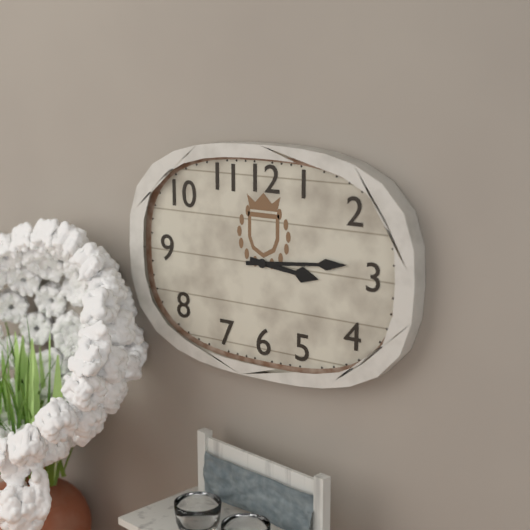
h=3 m=14
